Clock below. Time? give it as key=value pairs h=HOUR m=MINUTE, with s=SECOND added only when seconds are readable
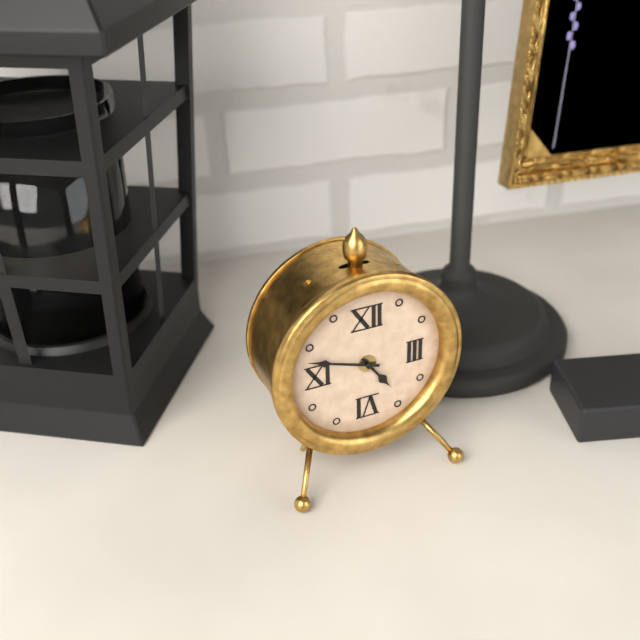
h=4 m=48
